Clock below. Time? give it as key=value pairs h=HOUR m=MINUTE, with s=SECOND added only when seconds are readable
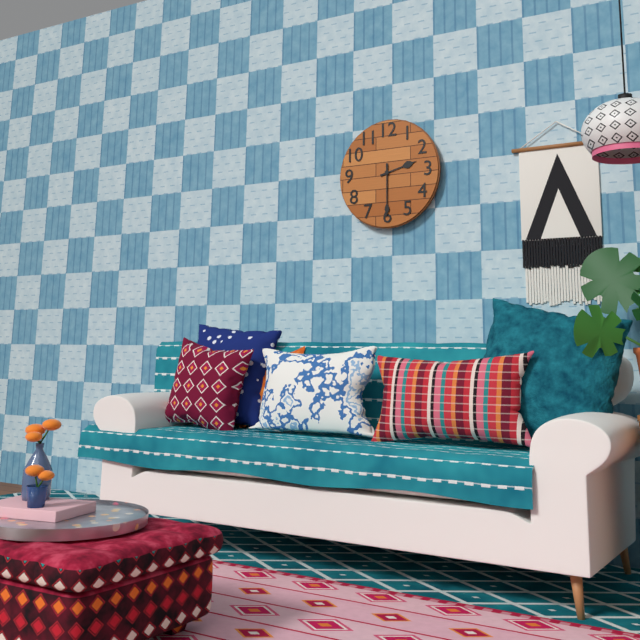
h=2 m=30
